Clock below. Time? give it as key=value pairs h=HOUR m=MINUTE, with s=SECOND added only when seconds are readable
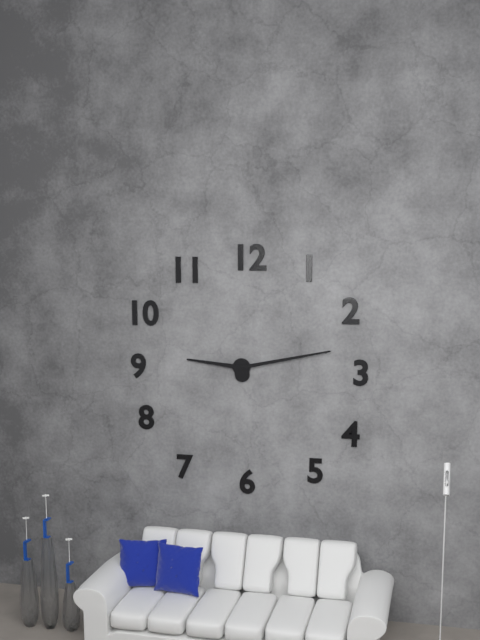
h=9 m=13
